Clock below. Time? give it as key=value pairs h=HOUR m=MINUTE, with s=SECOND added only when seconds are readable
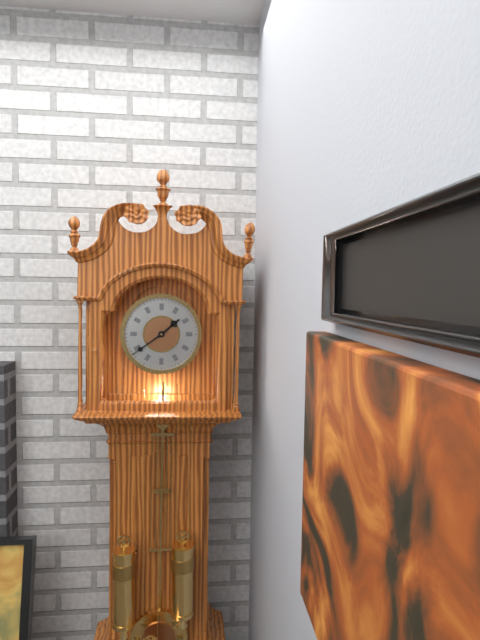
h=1 m=39
